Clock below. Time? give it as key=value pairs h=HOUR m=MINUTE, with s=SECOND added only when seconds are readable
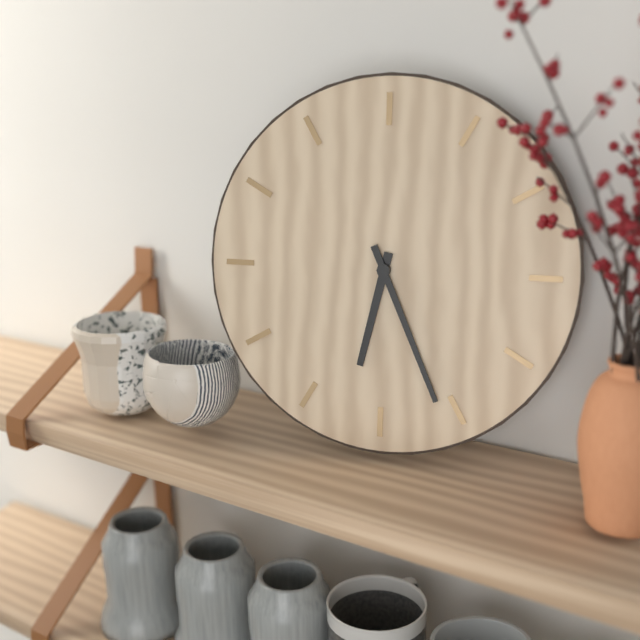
h=6 m=26
